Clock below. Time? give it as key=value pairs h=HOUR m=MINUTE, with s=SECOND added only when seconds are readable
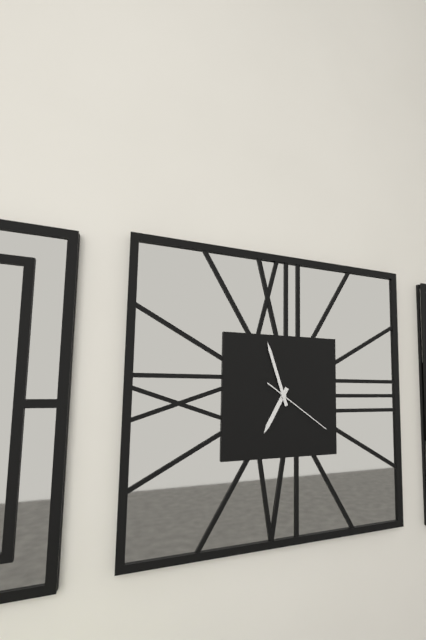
h=6 m=57 s=21
